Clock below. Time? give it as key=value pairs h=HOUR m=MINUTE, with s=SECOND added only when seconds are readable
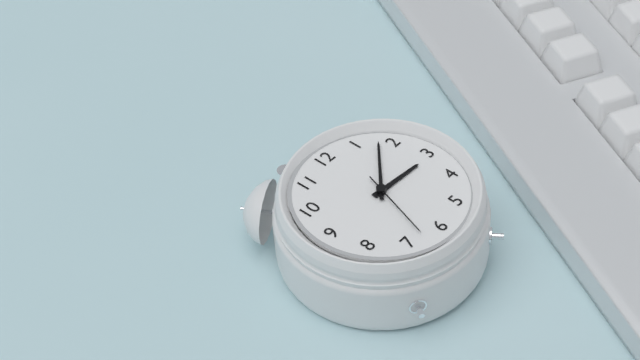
h=3 m=8 s=33
